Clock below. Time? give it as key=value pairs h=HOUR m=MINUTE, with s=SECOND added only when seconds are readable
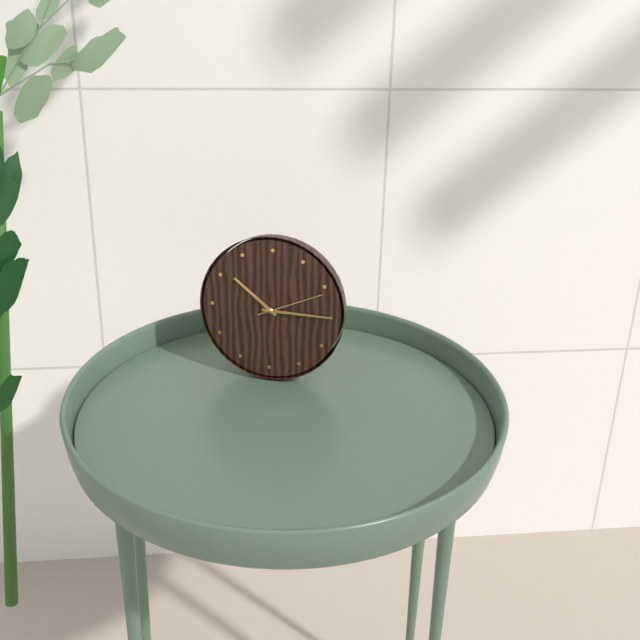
h=10 m=15 s=11
